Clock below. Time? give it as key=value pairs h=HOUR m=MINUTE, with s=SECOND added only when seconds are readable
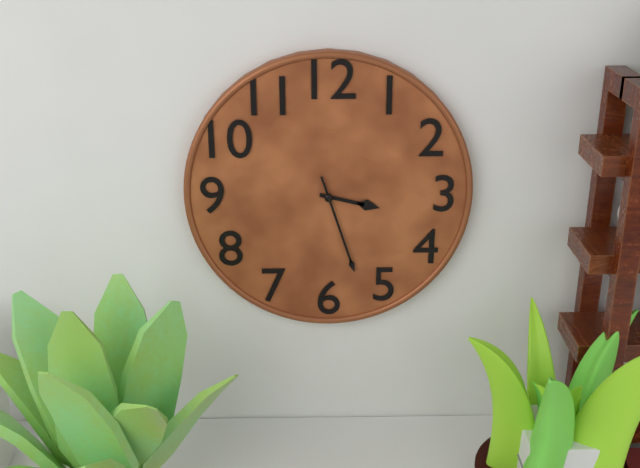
h=3 m=27
